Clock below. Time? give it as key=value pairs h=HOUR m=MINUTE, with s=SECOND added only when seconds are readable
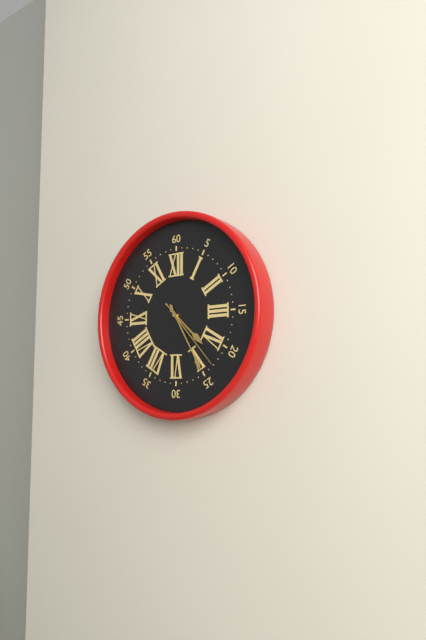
h=4 m=25 s=23
